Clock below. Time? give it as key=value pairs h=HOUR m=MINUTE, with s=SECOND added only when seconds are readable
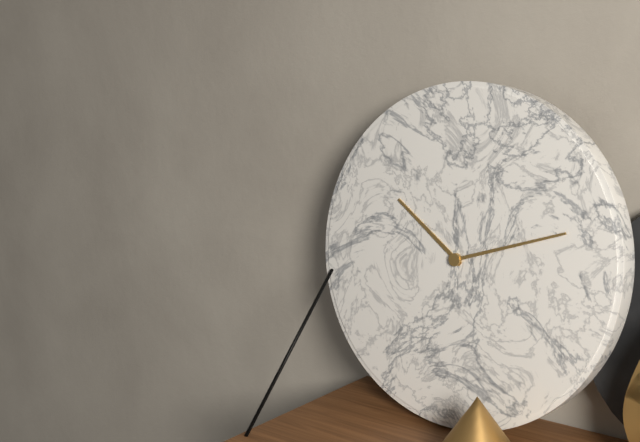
h=10 m=12
